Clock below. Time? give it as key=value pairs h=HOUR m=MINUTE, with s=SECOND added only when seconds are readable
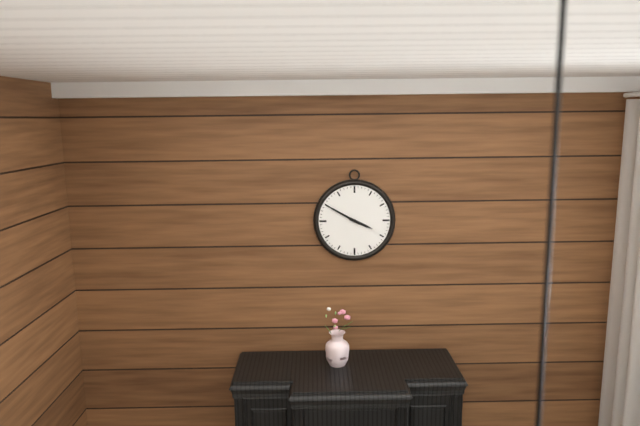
h=3 m=50
